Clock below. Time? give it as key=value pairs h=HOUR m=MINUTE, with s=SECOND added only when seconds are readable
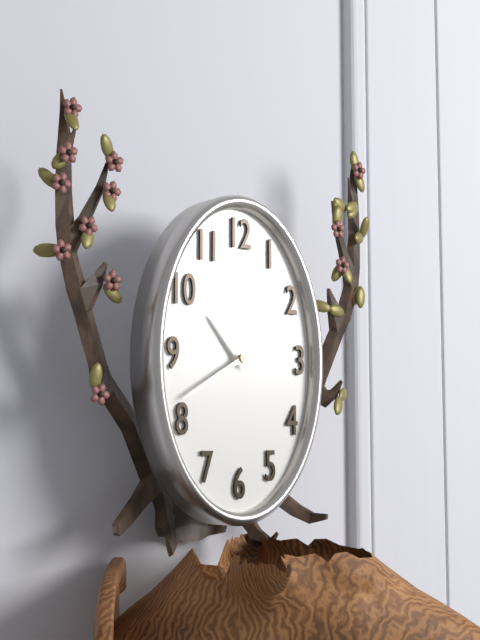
h=10 m=40
